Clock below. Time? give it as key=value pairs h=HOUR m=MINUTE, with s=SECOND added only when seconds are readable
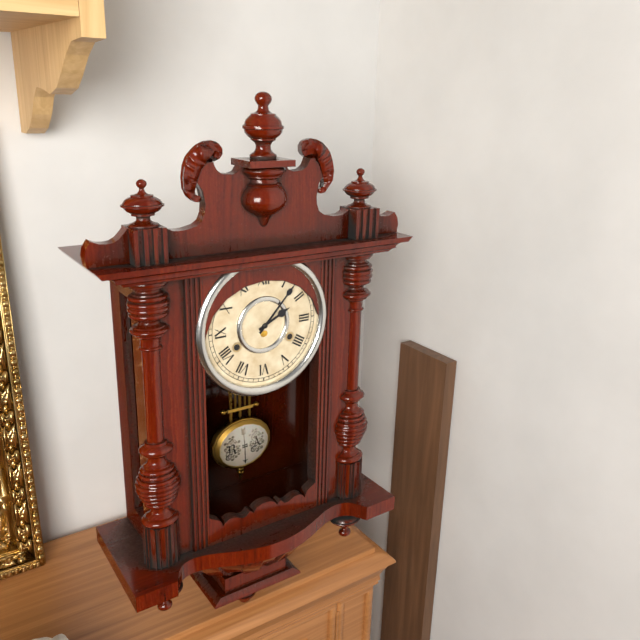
h=2 m=7
